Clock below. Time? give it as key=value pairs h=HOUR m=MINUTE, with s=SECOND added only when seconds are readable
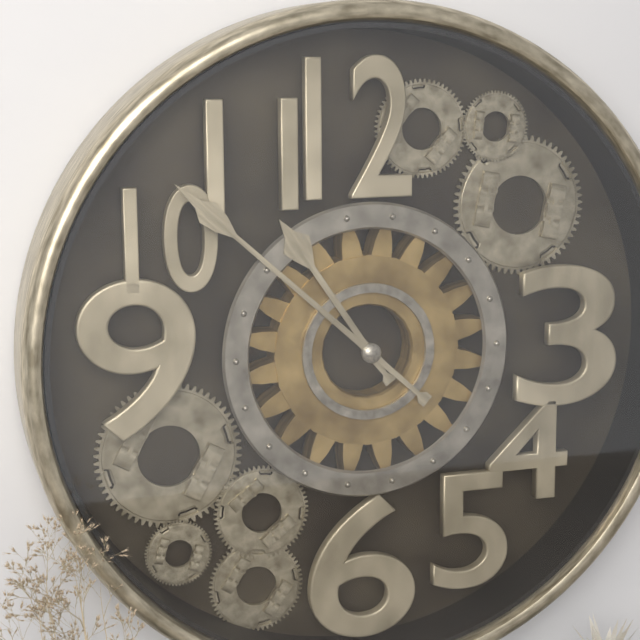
h=10 m=52
